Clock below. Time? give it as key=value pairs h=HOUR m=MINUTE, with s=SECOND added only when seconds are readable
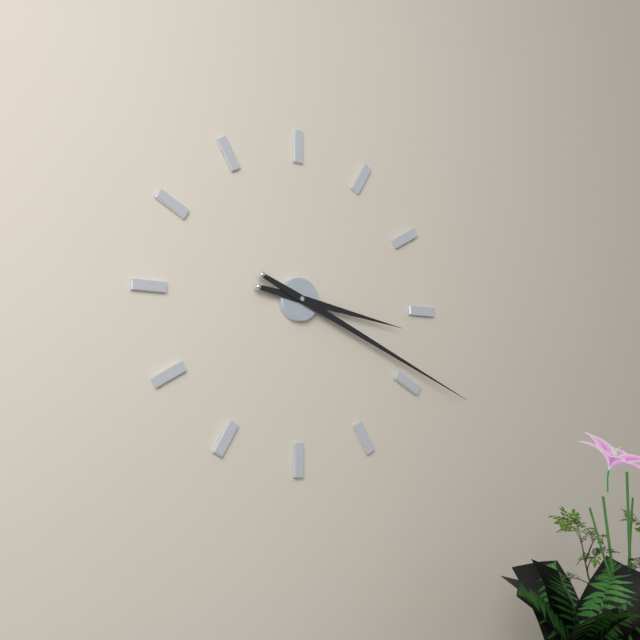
h=3 m=19
